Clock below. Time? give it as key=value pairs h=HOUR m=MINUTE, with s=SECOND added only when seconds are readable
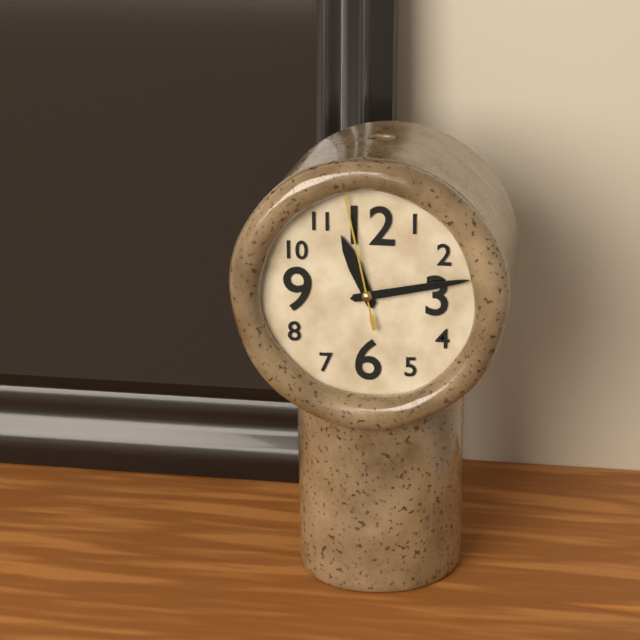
h=11 m=13 s=58
